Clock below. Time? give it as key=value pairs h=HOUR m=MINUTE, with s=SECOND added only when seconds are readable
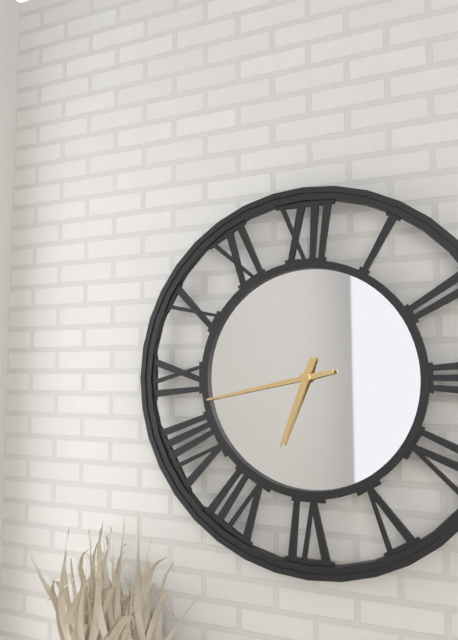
h=6 m=43
